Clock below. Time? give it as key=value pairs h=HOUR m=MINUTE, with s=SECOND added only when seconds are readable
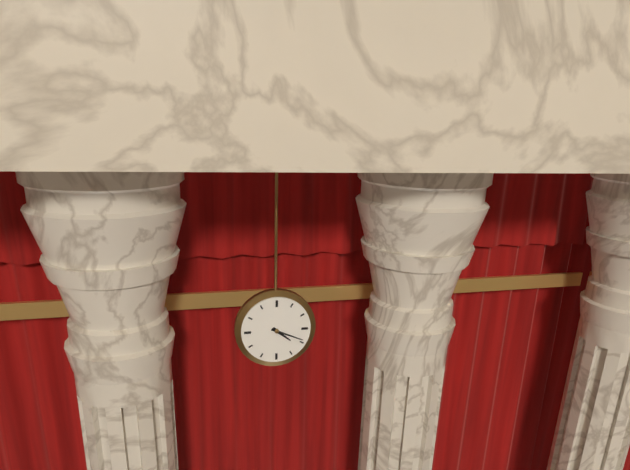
h=4 m=19
